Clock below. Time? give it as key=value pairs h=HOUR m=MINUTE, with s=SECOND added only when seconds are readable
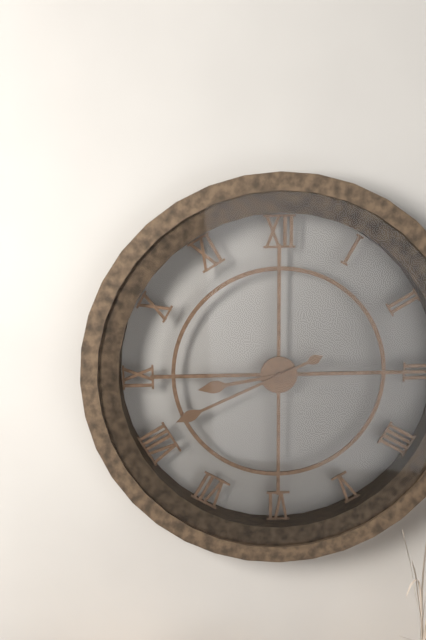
h=8 m=41
